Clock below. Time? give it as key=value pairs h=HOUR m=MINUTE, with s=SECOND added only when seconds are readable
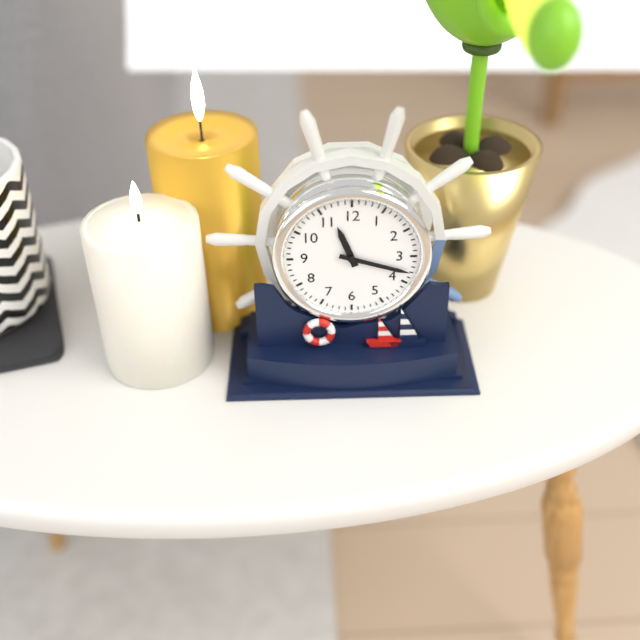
h=11 m=18
